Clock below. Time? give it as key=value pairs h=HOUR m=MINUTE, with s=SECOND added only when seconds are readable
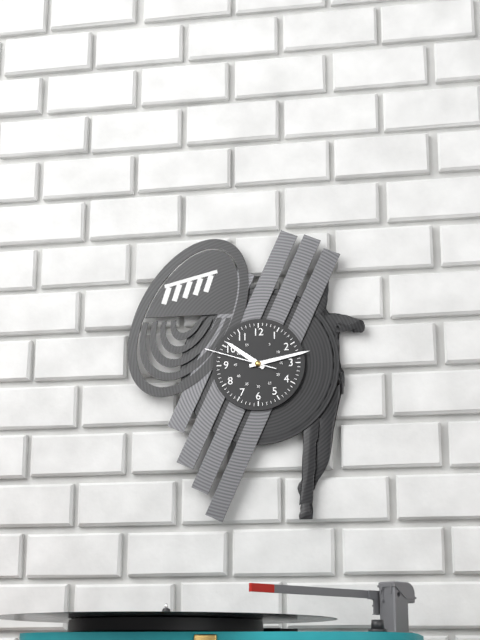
h=10 m=13 s=48
